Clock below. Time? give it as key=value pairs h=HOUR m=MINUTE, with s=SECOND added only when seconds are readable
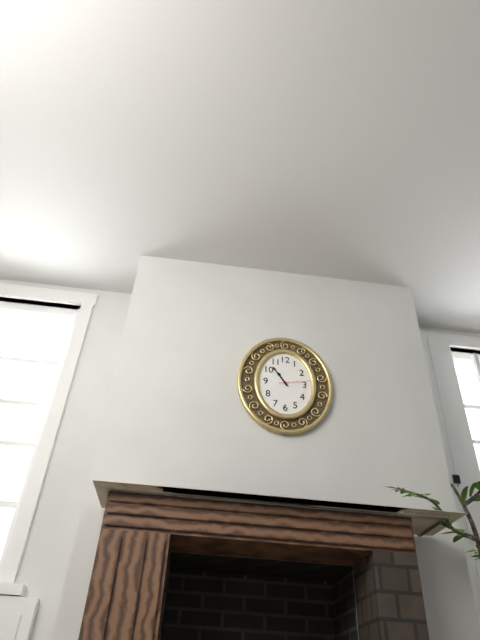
h=10 m=54
